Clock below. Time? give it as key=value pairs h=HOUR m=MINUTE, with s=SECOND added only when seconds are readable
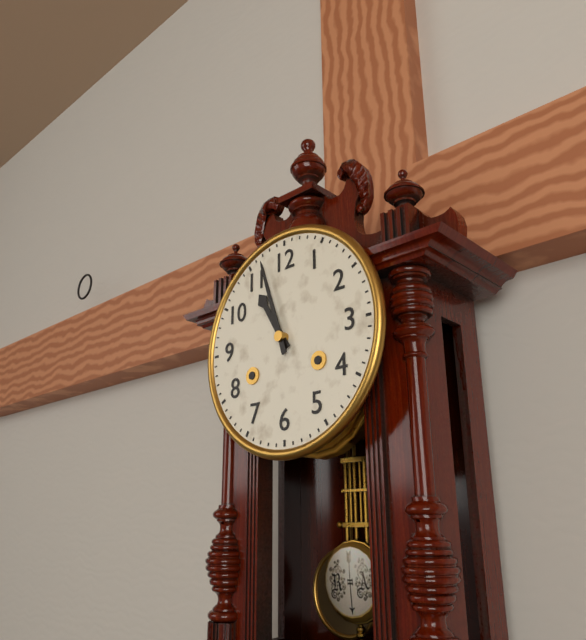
h=10 m=57
